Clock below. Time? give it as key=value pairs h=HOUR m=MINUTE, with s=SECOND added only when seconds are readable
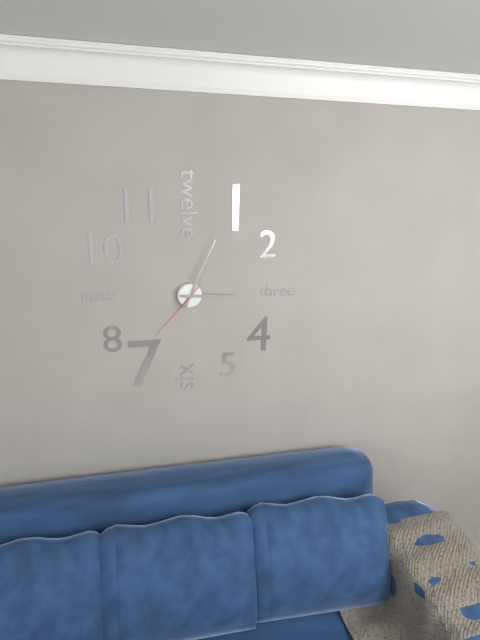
h=3 m=4 s=37
